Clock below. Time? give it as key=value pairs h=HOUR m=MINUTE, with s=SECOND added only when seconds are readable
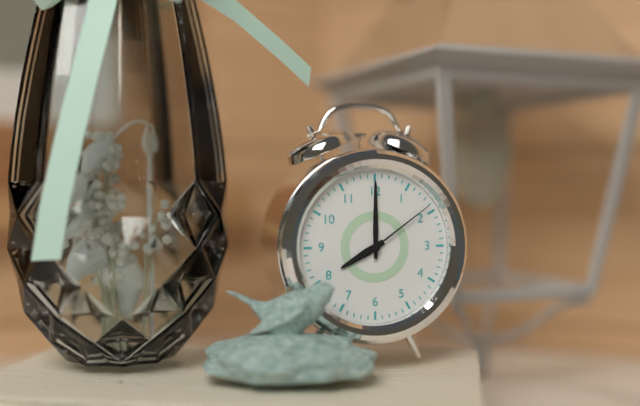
h=8 m=0 s=9
